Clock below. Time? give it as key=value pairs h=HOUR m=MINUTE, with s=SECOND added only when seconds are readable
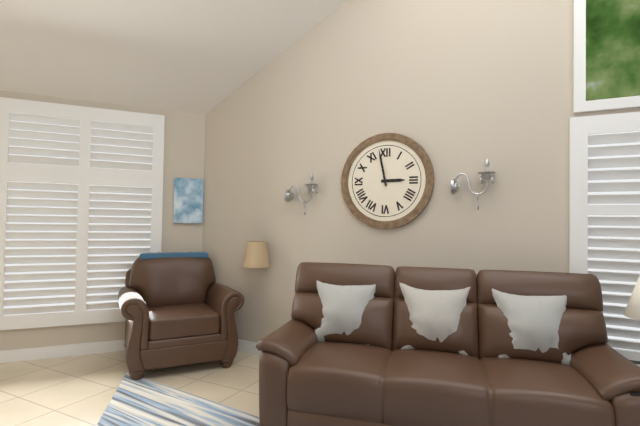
h=2 m=58
